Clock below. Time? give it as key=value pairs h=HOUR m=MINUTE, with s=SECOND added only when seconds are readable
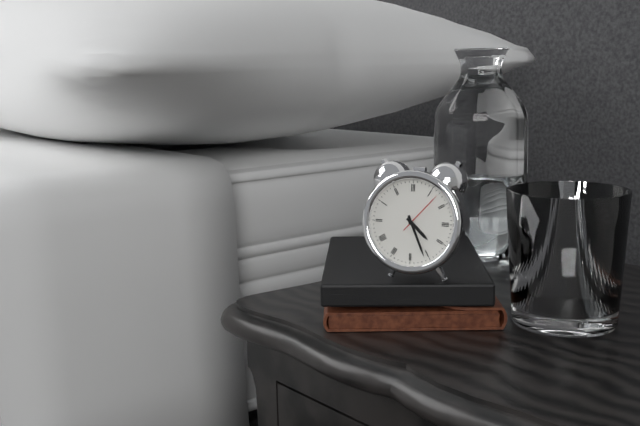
h=4 m=26
